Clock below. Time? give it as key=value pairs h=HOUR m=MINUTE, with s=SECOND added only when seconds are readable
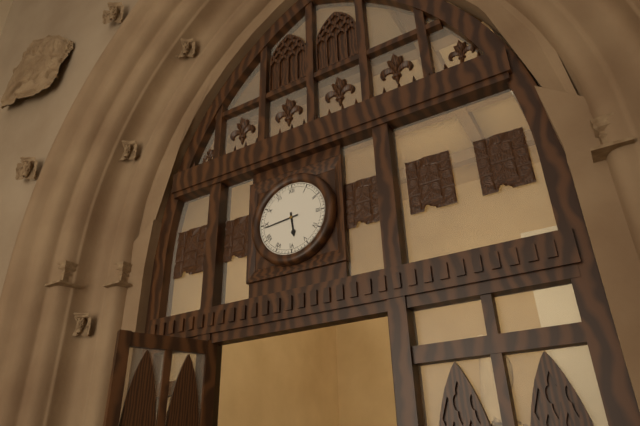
h=5 m=44
